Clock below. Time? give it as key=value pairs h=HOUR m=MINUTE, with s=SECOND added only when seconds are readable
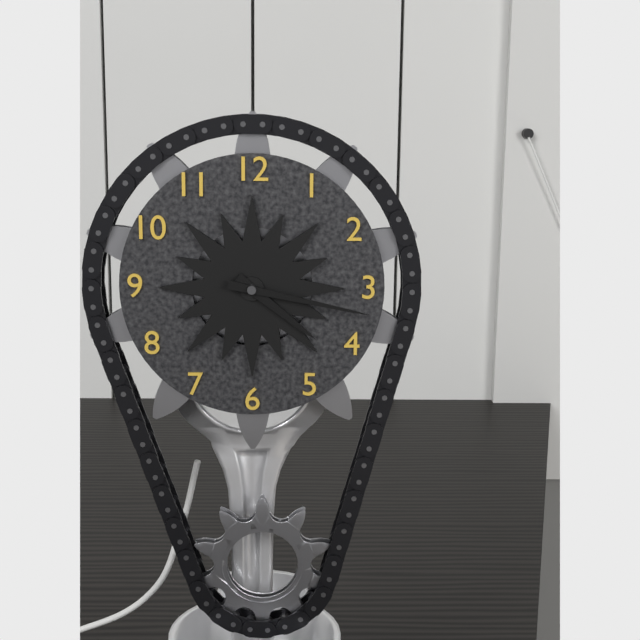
h=4 m=17
